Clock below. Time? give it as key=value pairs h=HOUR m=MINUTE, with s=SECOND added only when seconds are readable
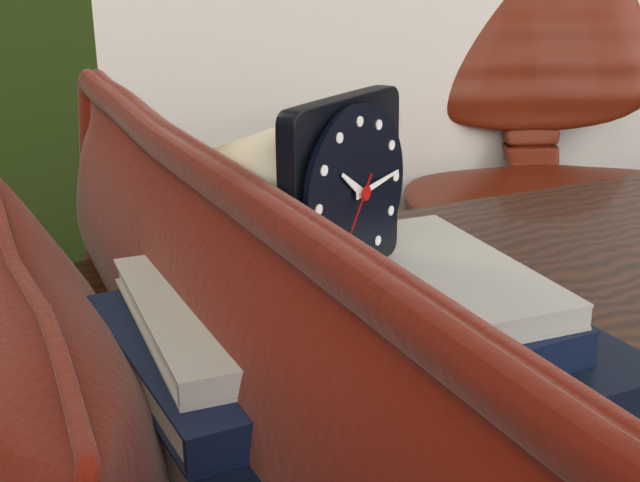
h=10 m=14
